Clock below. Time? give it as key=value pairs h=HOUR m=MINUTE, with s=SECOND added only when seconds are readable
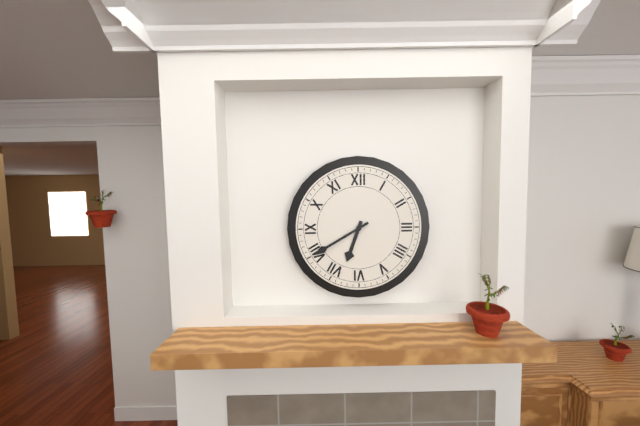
h=6 m=40
